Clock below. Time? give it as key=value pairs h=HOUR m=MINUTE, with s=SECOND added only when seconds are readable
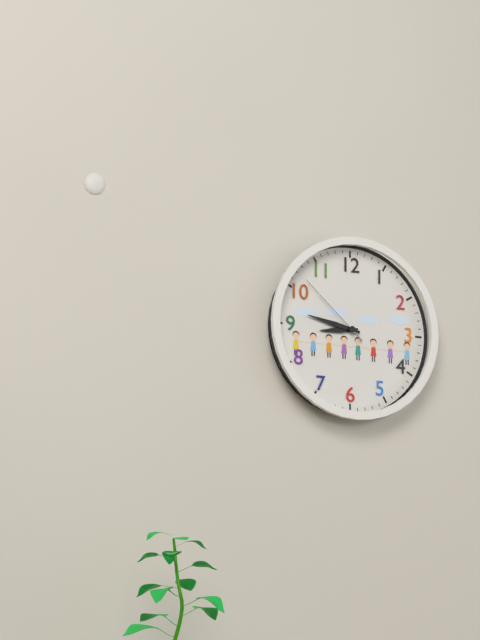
h=8 m=47 s=52
